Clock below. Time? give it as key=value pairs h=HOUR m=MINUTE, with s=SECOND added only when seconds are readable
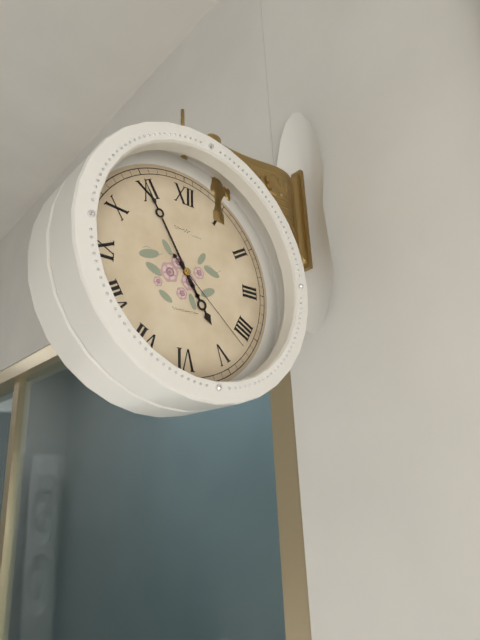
h=4 m=55 s=22
